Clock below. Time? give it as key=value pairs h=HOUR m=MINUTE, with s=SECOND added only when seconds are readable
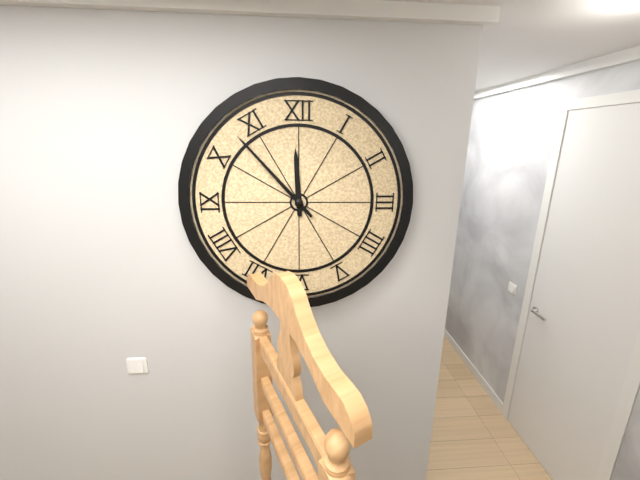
h=11 m=53
